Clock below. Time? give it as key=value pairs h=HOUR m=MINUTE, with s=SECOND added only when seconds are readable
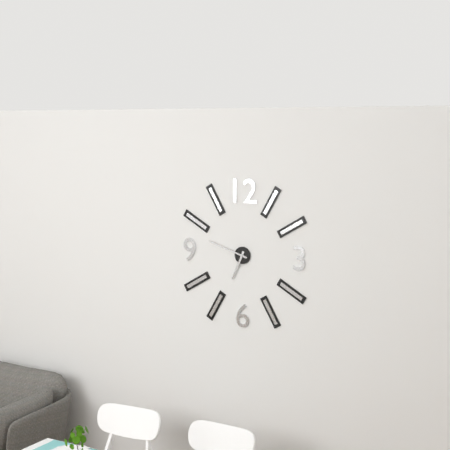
h=6 m=48
